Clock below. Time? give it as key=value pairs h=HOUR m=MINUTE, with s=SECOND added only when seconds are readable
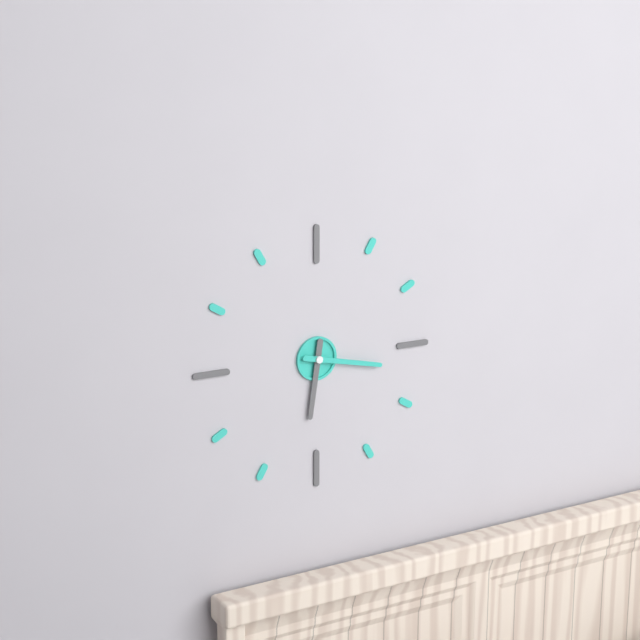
h=6 m=17
